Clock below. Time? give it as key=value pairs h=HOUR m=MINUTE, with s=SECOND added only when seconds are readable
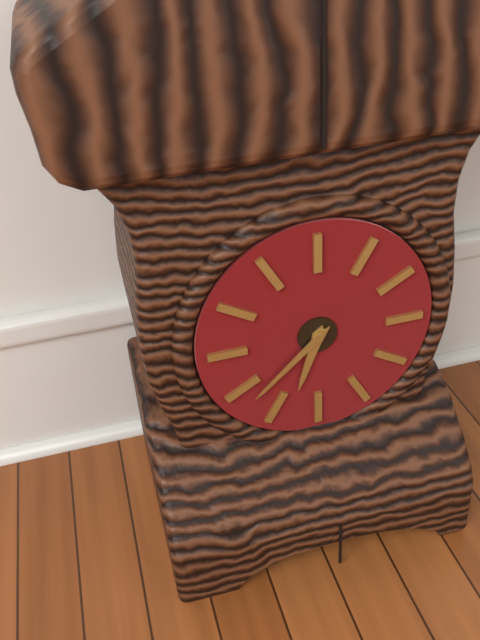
h=6 m=38
